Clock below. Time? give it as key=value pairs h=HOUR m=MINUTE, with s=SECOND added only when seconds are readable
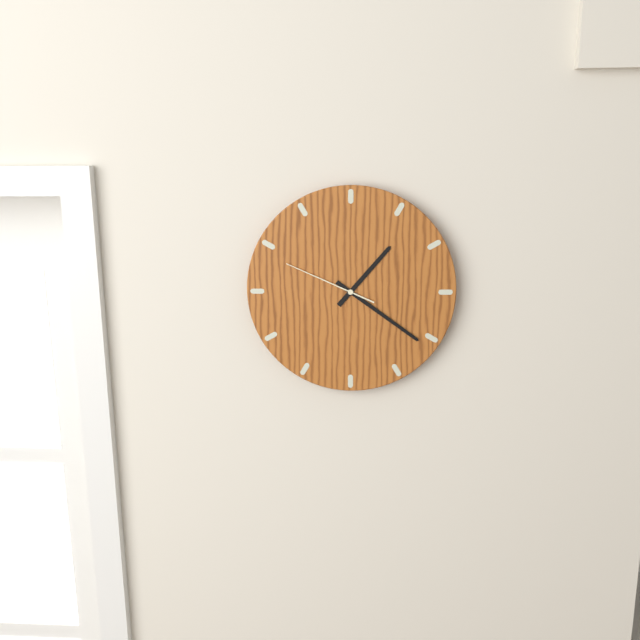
h=1 m=21 s=49
